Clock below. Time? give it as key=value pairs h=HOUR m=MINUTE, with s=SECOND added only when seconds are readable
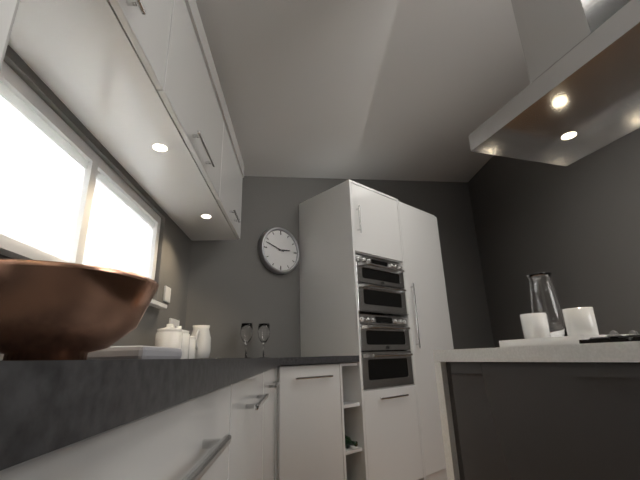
h=2 m=48
